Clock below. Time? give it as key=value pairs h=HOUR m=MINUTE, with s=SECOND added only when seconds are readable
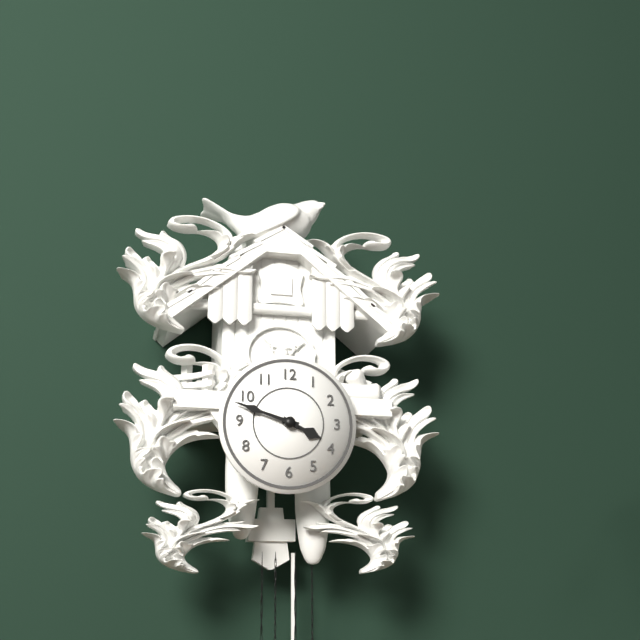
h=3 m=48
